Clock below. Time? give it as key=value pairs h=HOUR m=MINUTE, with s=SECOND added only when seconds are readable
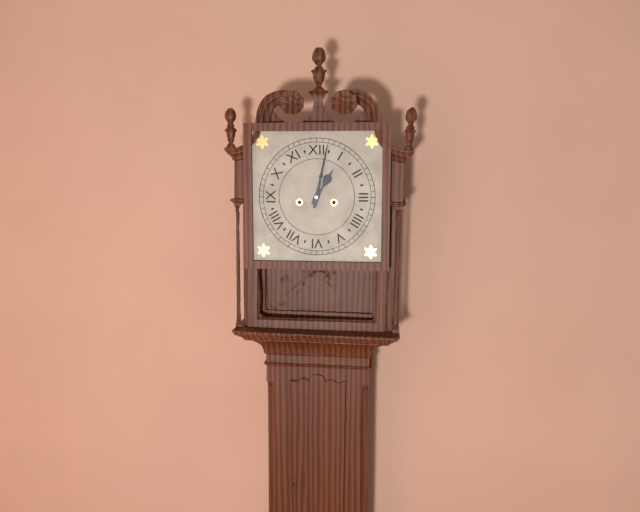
h=1 m=2
